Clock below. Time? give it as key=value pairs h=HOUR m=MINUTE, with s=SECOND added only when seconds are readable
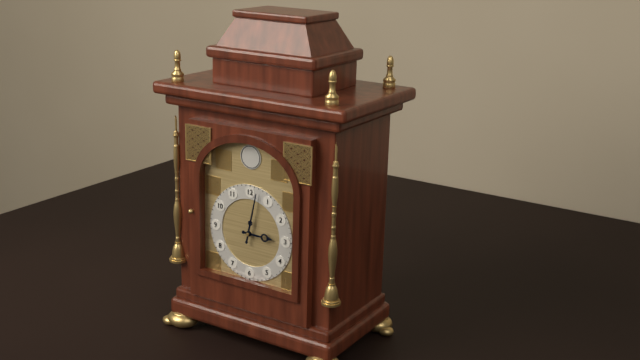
h=3 m=2
